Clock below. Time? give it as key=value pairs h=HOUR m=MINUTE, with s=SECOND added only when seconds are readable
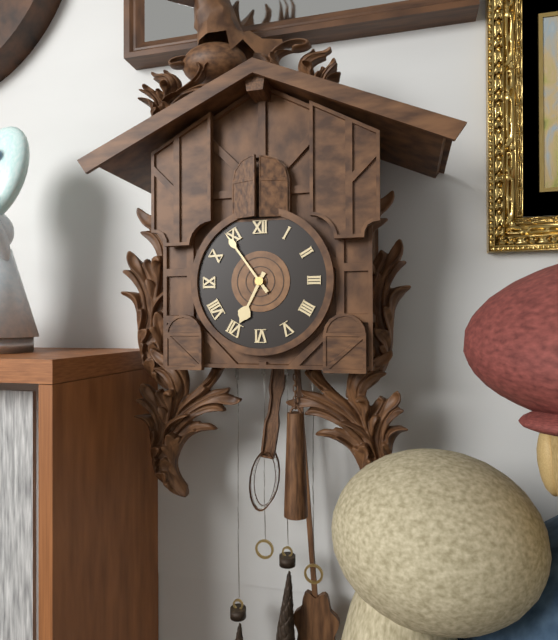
h=6 m=54
